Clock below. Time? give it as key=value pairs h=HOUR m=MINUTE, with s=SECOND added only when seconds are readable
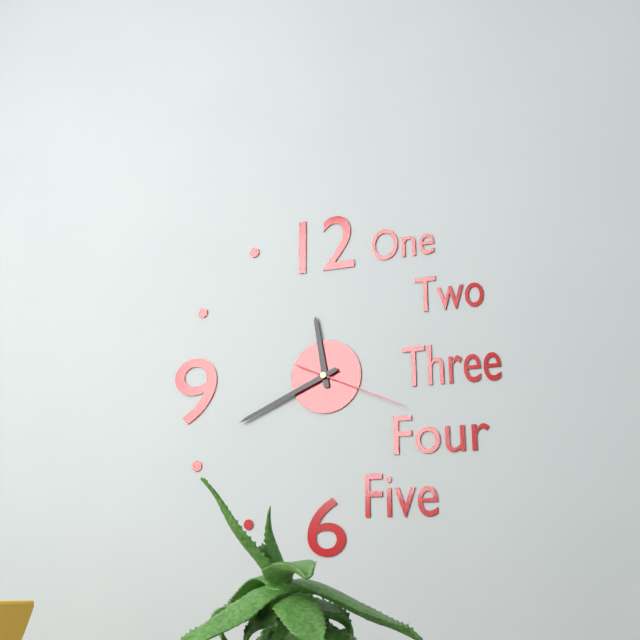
h=11 m=41 s=19
